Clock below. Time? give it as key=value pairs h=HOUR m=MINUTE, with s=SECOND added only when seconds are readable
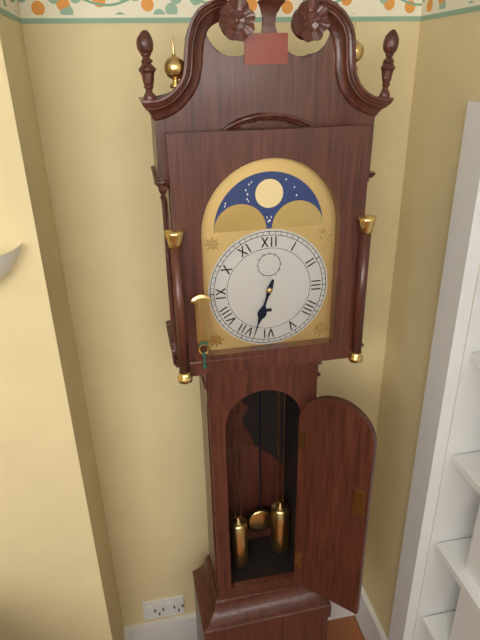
h=6 m=33
